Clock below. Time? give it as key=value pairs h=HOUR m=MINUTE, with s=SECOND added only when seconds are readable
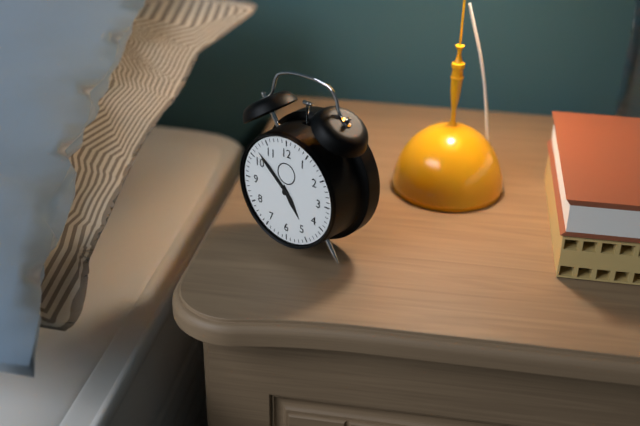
h=4 m=52
